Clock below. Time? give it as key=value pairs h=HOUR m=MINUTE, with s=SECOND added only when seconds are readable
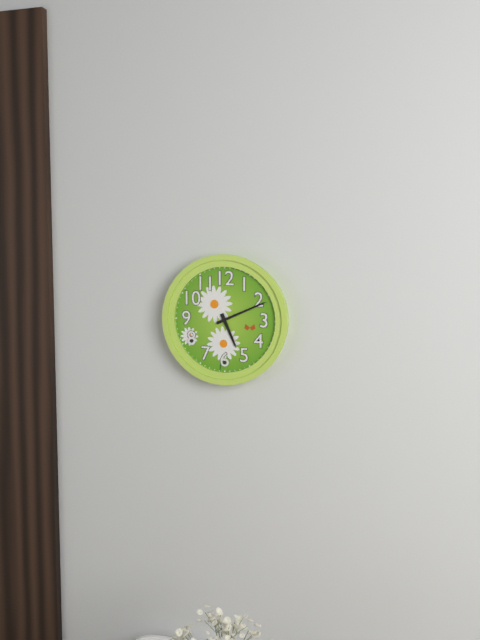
h=5 m=11
